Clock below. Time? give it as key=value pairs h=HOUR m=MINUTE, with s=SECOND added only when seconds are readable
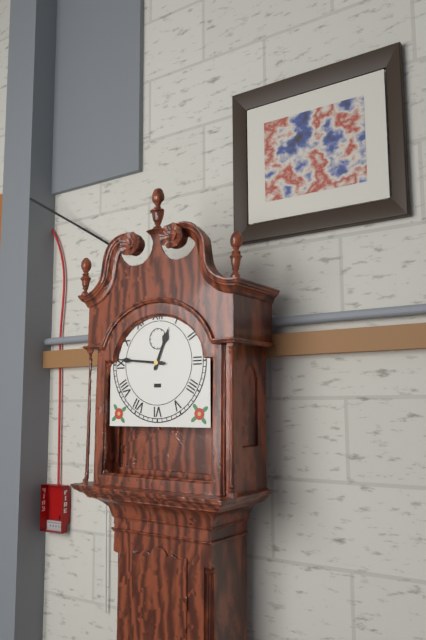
h=12 m=46
